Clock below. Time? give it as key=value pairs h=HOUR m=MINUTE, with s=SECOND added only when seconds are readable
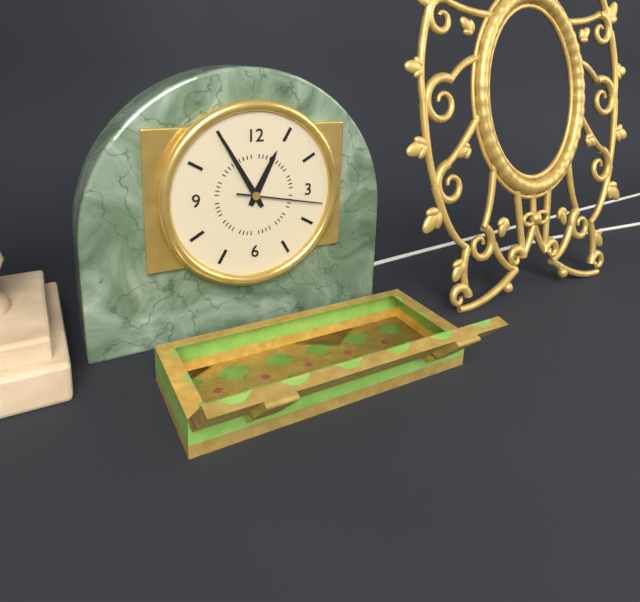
h=12 m=55 s=17
